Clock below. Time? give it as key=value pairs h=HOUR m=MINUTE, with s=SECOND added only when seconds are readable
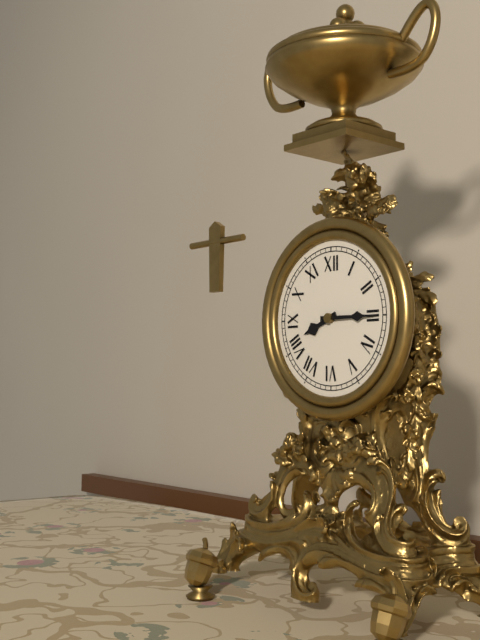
h=8 m=15
